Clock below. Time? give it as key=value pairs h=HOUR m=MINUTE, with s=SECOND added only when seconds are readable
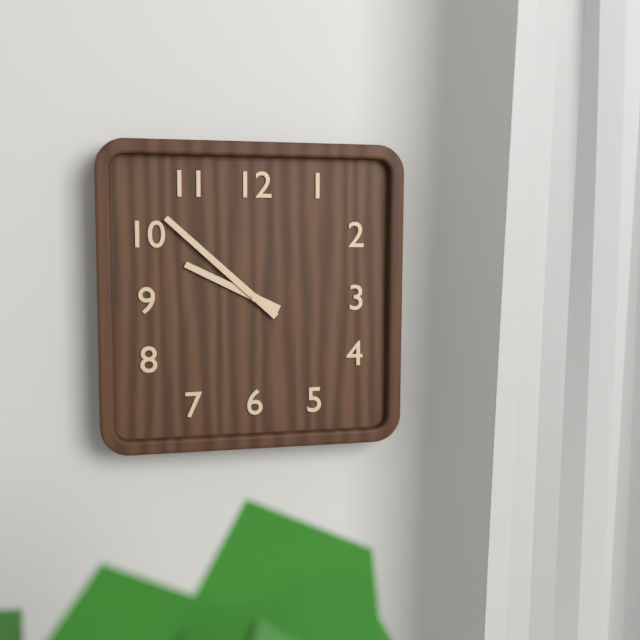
h=9 m=52
